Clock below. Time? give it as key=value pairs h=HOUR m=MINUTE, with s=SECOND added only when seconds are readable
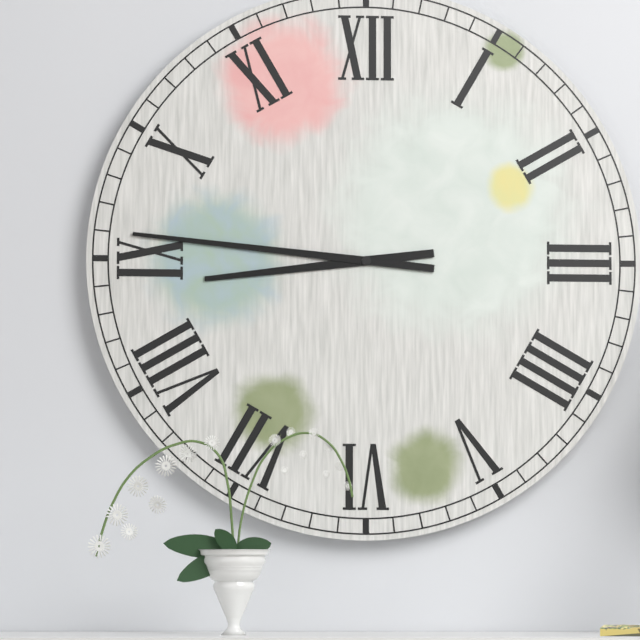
h=8 m=46
